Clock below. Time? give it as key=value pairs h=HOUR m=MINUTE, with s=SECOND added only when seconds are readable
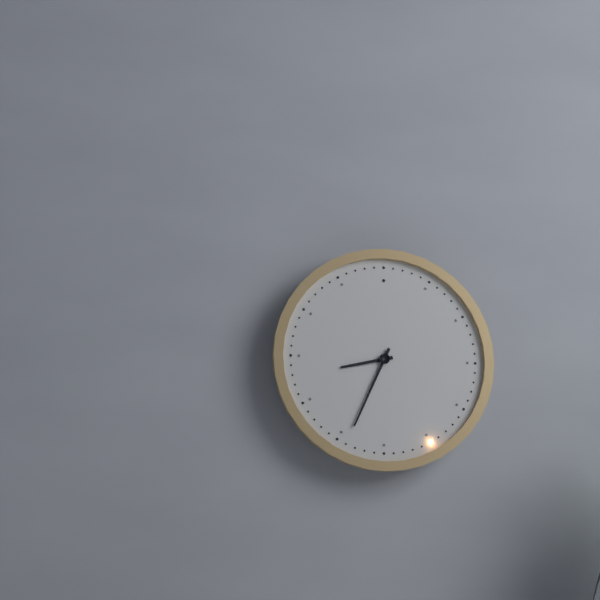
h=8 m=34
